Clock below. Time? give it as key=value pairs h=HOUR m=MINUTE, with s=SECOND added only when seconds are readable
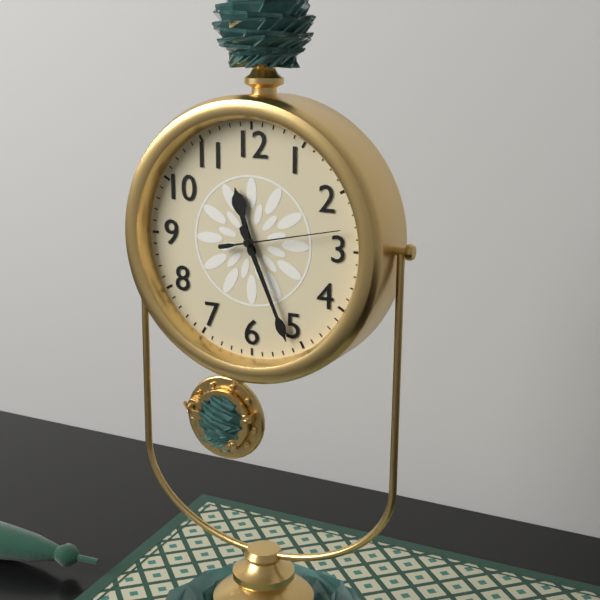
h=11 m=26 s=13
